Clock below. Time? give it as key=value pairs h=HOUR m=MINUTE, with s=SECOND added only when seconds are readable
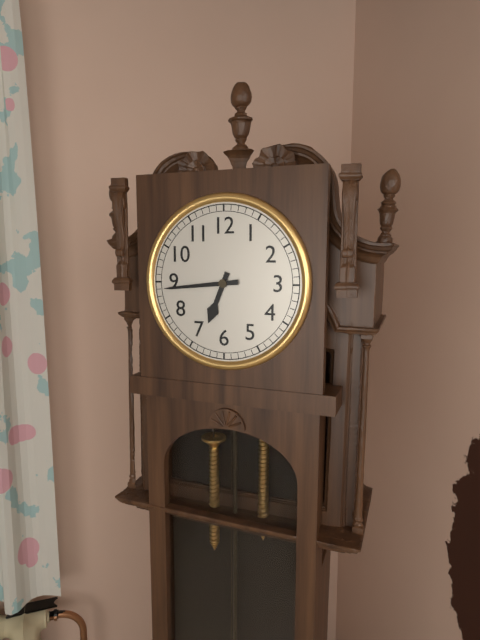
h=6 m=44
